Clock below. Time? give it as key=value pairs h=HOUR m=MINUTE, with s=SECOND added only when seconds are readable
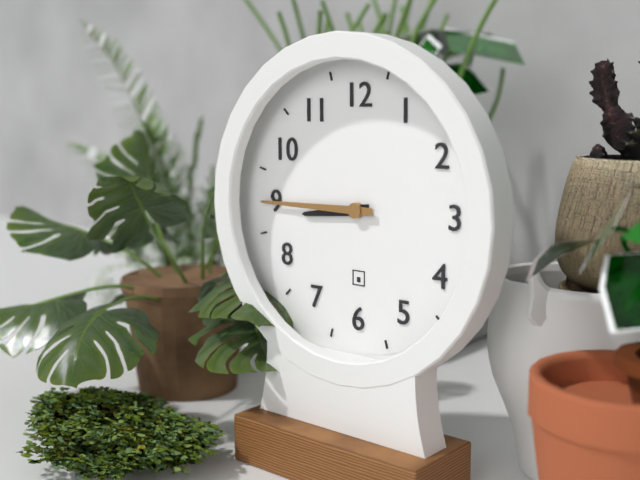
h=8 m=45
